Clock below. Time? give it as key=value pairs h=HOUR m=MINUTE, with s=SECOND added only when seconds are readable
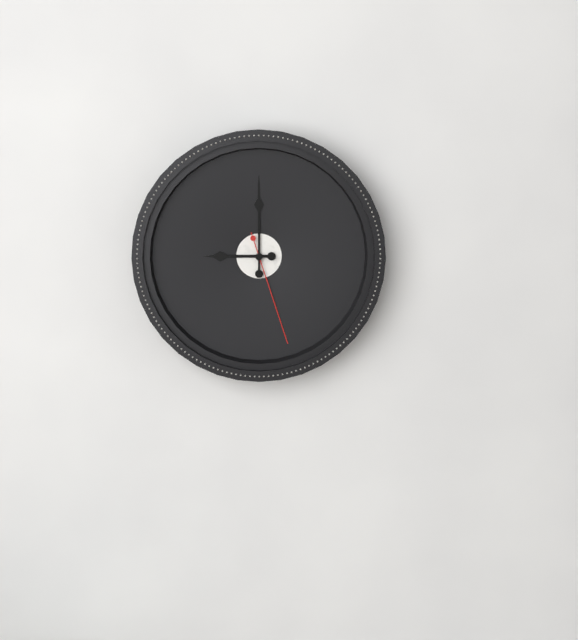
h=9 m=0 s=27
